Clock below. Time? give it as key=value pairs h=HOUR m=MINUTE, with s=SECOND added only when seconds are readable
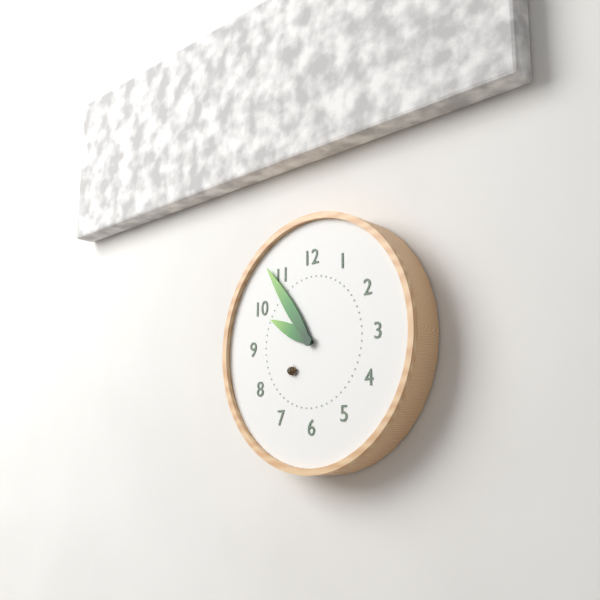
h=9 m=54
